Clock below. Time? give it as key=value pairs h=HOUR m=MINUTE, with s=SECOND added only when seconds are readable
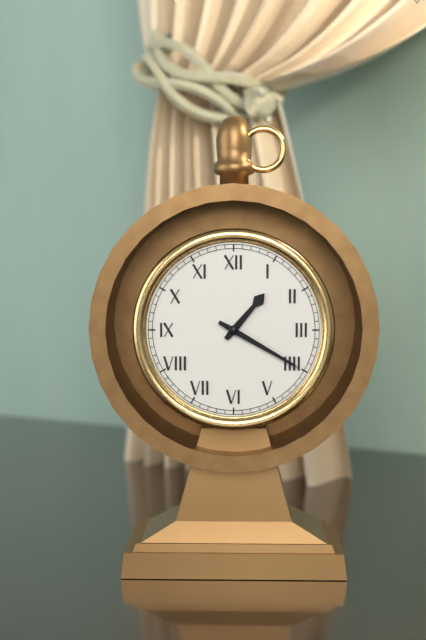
h=1 m=20
